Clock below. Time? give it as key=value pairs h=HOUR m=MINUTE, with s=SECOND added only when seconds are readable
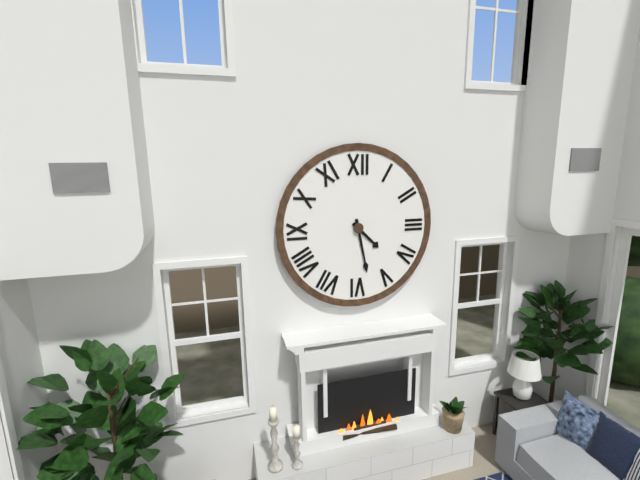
h=4 m=28
